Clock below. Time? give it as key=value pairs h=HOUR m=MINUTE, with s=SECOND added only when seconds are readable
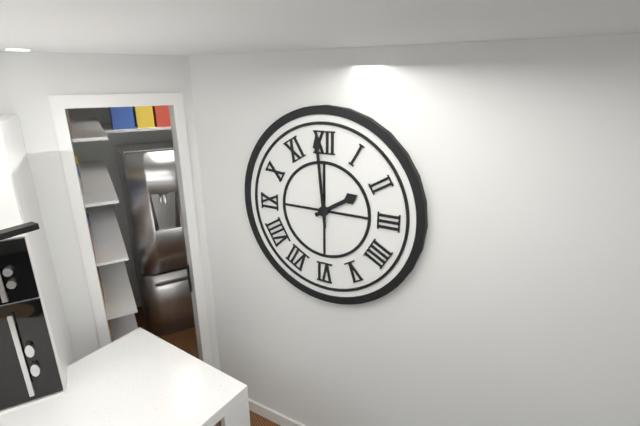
h=1 m=59
